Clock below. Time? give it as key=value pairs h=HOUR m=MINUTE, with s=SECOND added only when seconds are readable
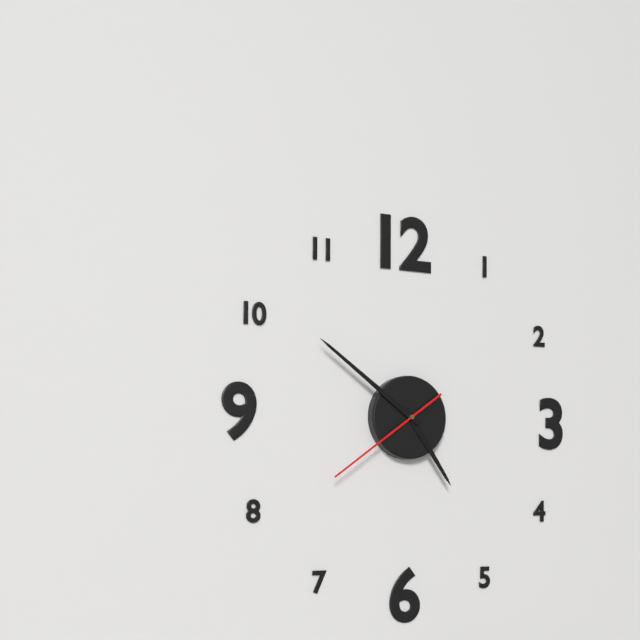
h=4 m=51 s=39
